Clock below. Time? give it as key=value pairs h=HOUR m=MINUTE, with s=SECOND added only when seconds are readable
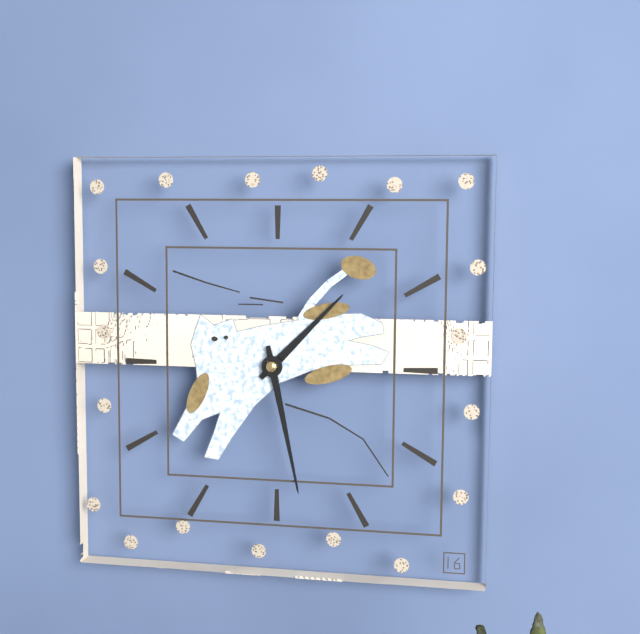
h=1 m=28
